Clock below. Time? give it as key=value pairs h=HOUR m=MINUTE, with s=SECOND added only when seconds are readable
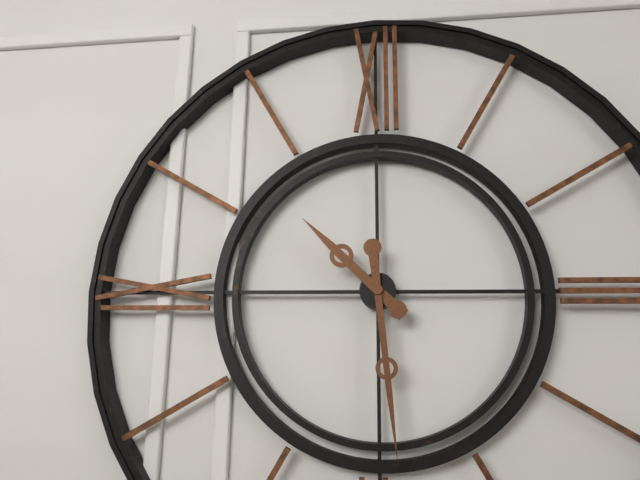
h=10 m=29
